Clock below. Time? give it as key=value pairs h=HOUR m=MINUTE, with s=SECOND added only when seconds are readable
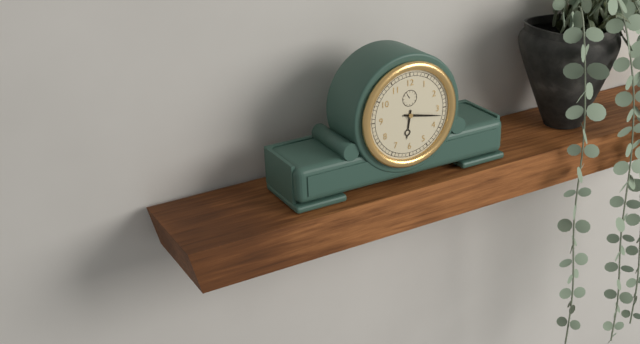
h=6 m=17
